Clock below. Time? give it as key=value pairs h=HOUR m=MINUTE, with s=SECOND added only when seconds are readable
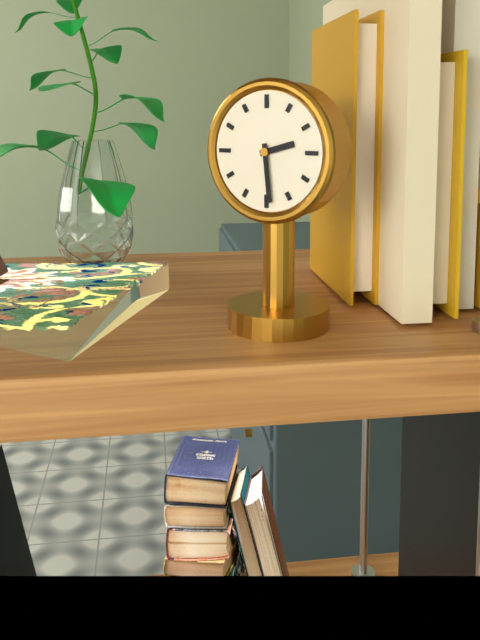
h=2 m=29
